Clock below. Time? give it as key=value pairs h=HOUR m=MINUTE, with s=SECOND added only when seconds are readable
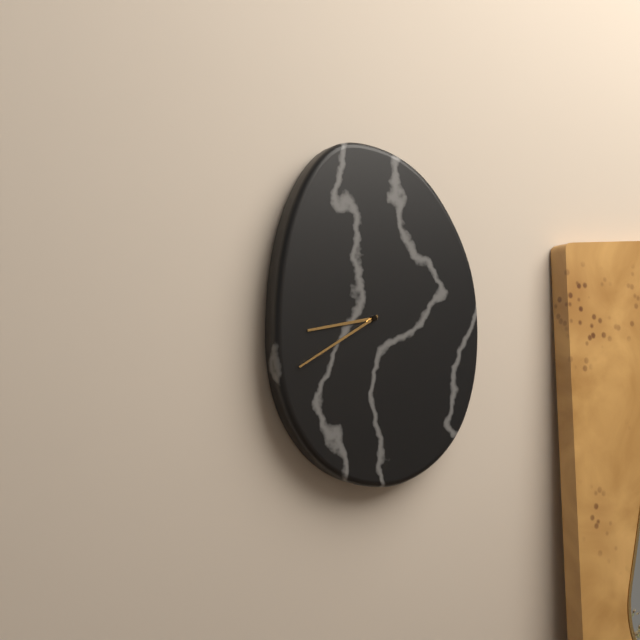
h=8 m=40
